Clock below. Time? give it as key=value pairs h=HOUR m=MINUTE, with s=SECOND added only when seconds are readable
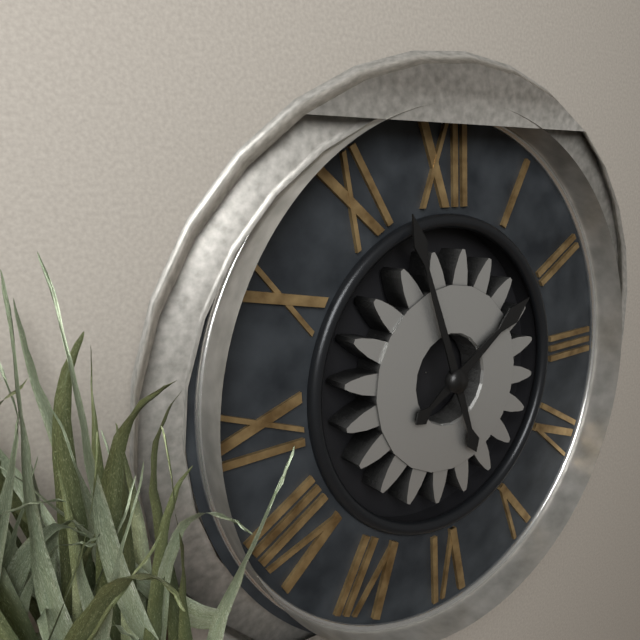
h=1 m=57
